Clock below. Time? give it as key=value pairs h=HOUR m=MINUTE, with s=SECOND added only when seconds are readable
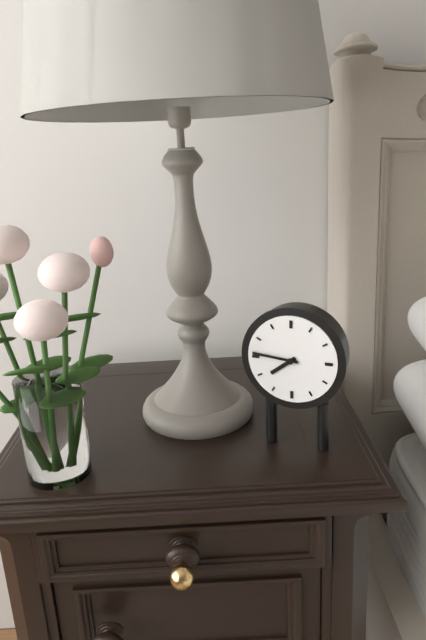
h=7 m=46
